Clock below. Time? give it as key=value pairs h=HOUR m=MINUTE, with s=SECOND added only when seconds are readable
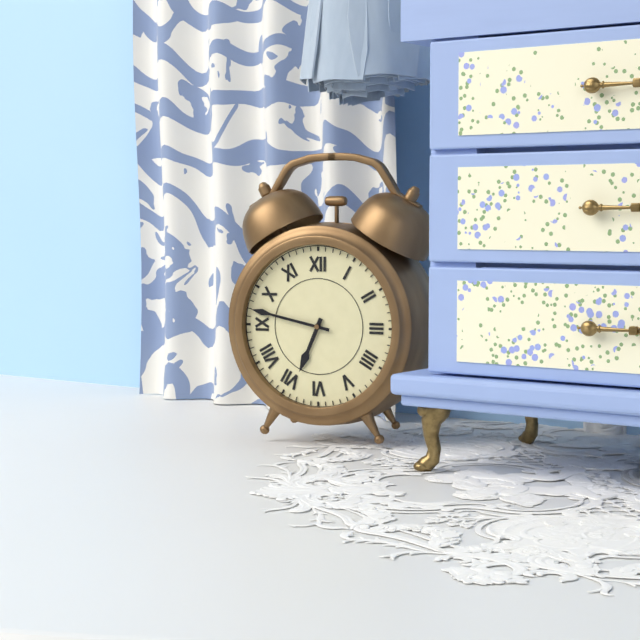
h=6 m=47
